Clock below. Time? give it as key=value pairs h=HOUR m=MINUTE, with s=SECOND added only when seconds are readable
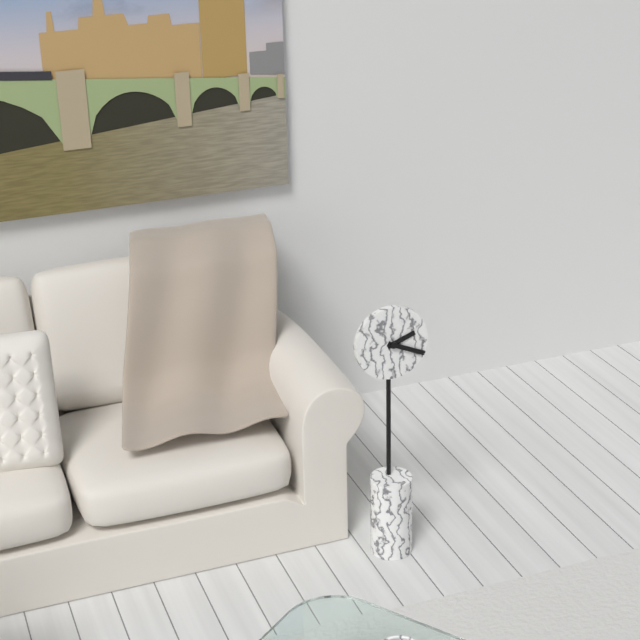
h=2 m=19
